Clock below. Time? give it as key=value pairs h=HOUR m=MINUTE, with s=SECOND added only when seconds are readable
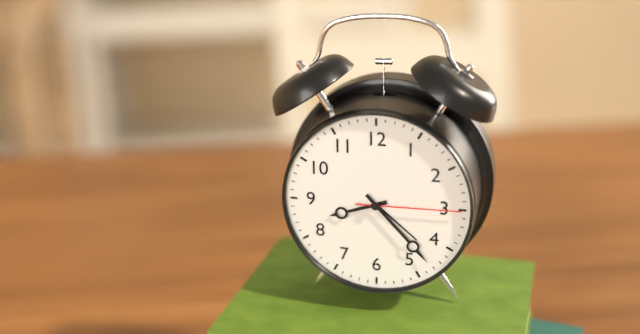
h=8 m=23 s=15
